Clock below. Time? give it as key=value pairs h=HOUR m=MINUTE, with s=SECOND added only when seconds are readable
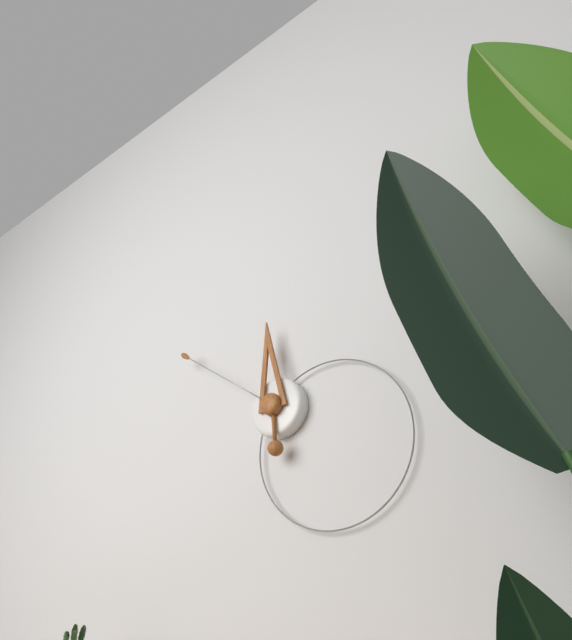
h=11 m=51
